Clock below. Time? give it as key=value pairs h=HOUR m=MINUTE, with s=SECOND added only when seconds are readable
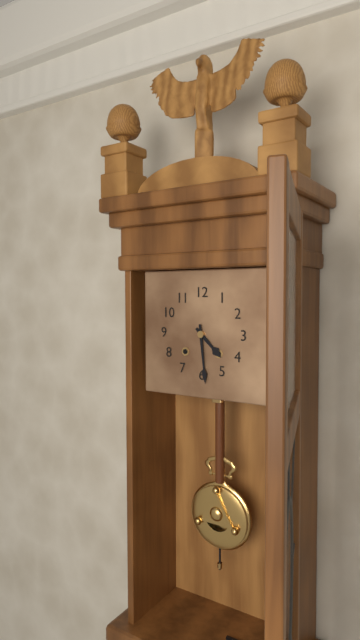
h=4 m=29
